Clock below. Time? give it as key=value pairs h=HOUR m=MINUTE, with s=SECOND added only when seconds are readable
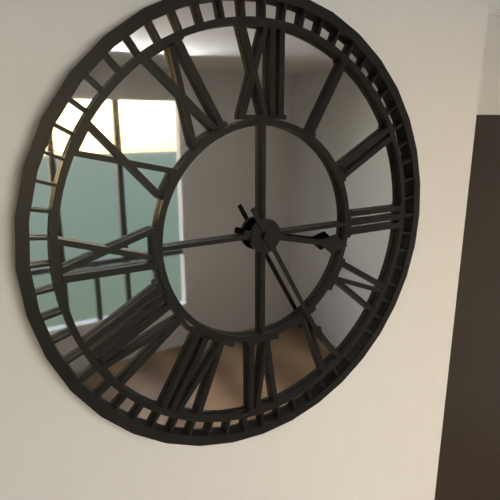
h=3 m=25
